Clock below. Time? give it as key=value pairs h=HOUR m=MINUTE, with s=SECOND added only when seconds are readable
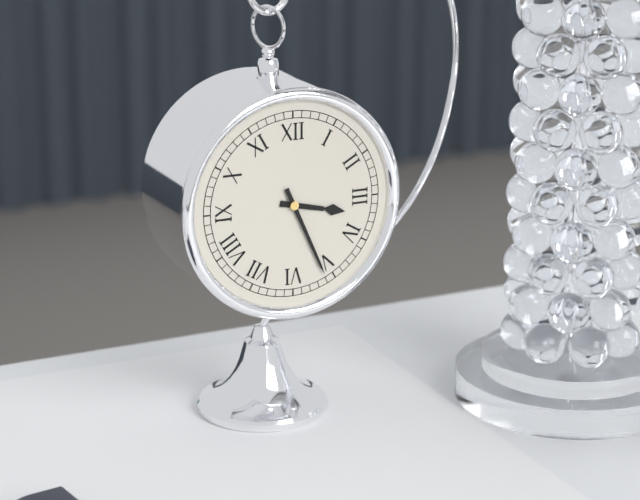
h=3 m=26
